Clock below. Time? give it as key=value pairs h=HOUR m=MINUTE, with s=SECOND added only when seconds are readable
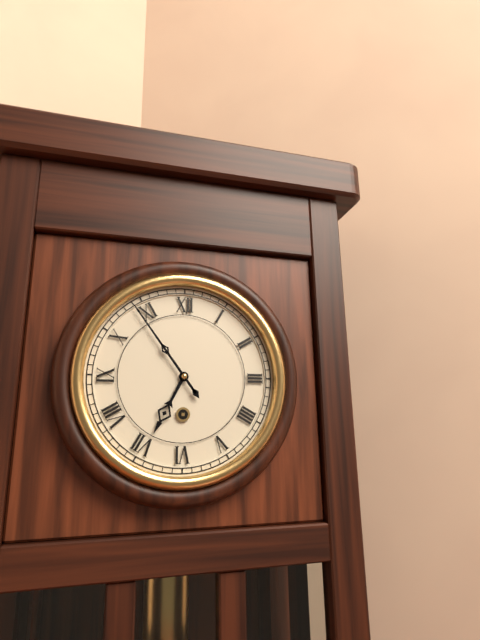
h=6 m=54
